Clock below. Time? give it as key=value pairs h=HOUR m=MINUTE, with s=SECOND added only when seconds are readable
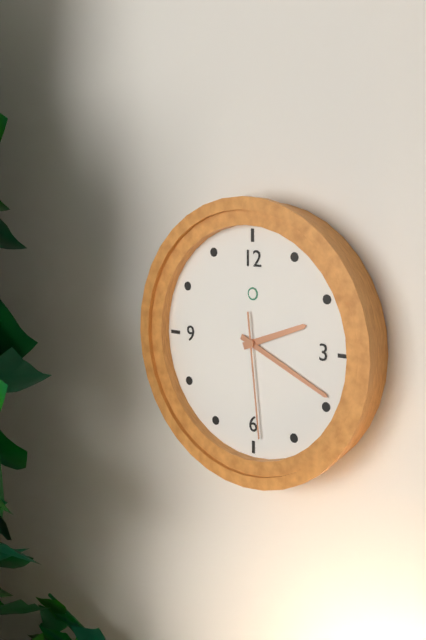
h=2 m=19 s=29
